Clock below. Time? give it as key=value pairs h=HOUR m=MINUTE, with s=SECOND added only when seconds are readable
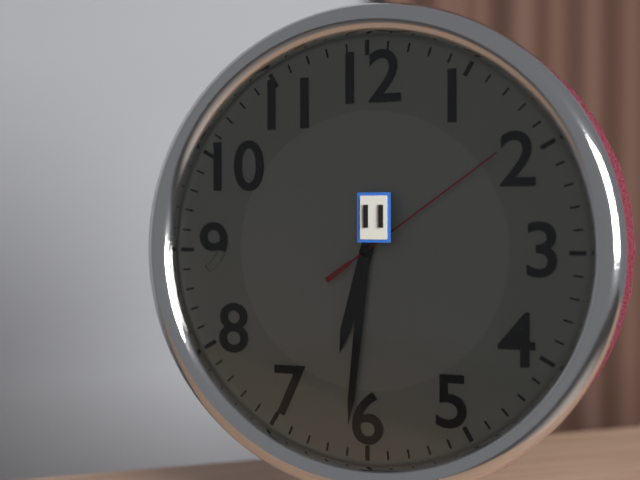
h=6 m=31 s=9
